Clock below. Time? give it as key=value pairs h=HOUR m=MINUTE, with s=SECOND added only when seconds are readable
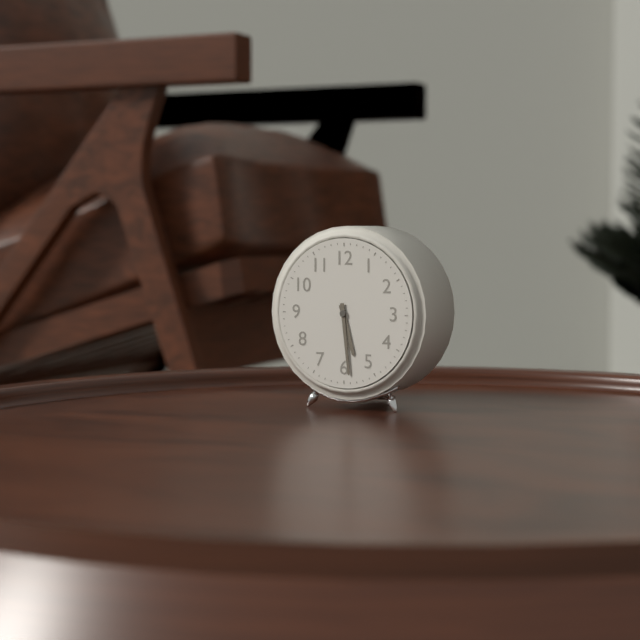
h=5 m=29
